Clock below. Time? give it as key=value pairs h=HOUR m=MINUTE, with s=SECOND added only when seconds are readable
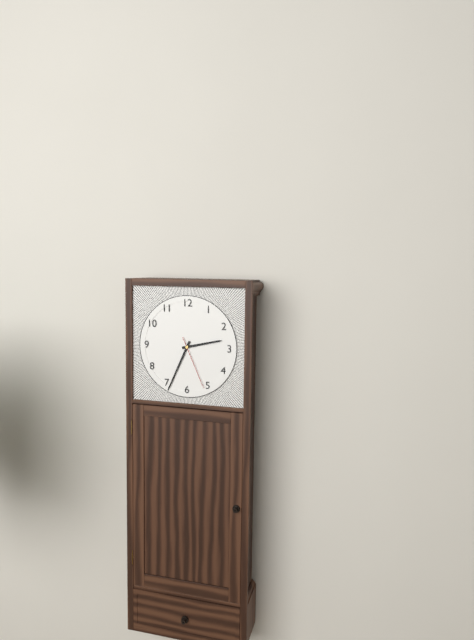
h=2 m=34 s=26
